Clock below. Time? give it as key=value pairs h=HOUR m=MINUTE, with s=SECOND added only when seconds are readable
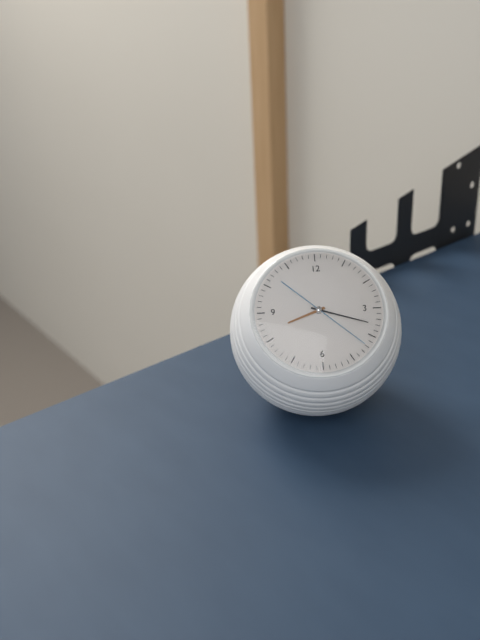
h=8 m=18 s=22
